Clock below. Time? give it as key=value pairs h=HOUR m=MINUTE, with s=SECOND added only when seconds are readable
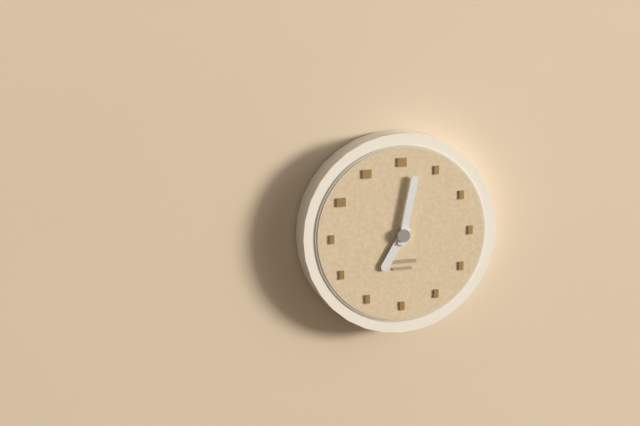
h=7 m=2
